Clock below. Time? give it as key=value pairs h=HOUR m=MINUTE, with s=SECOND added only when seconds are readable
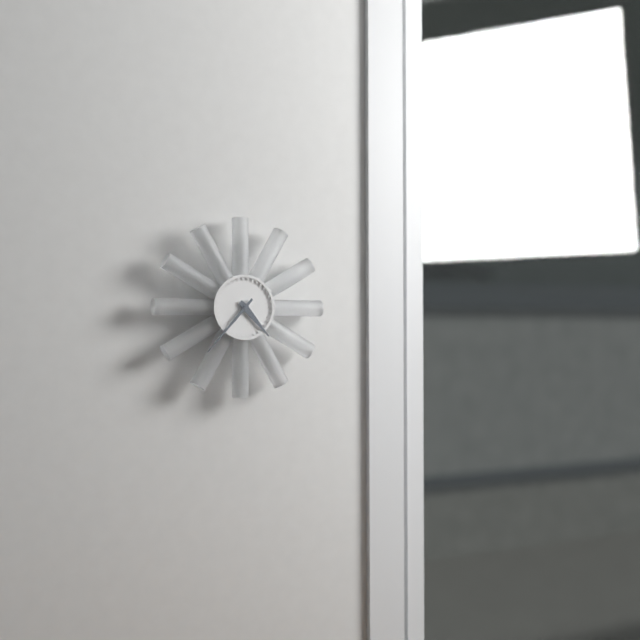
h=4 m=37
